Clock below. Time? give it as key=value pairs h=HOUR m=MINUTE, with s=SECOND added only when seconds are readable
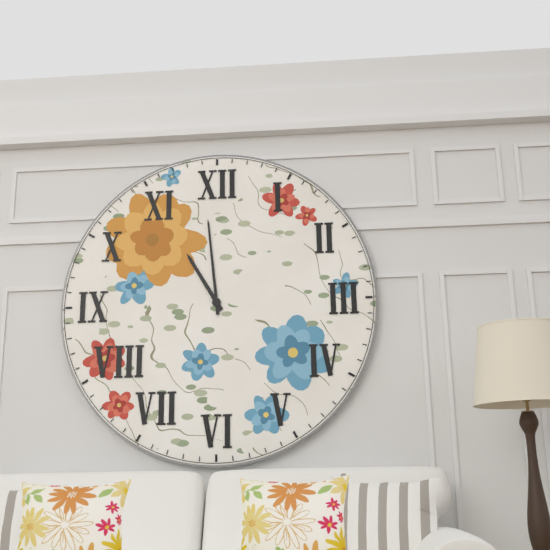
h=10 m=59
